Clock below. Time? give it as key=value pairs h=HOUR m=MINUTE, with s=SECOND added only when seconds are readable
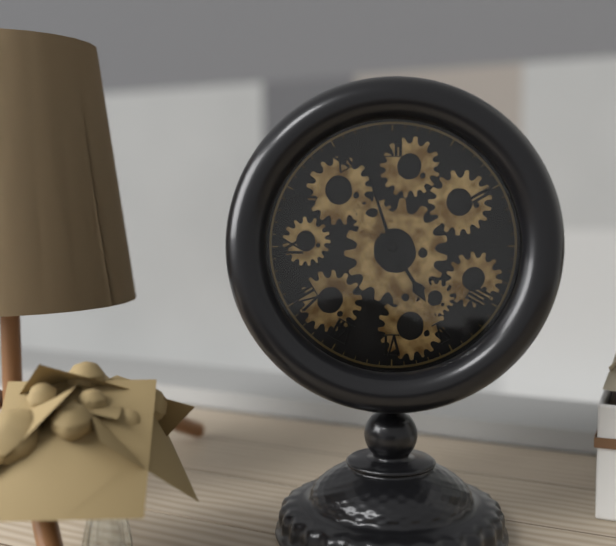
h=4 m=57
